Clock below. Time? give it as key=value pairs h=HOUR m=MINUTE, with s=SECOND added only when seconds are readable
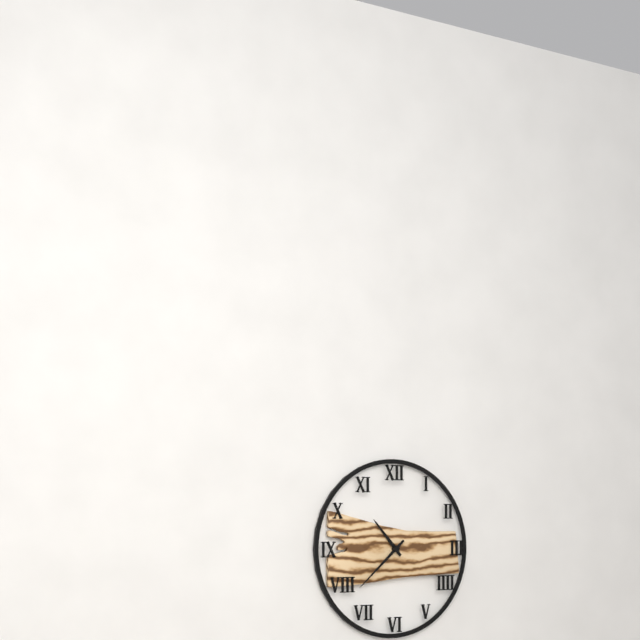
h=10 m=38
